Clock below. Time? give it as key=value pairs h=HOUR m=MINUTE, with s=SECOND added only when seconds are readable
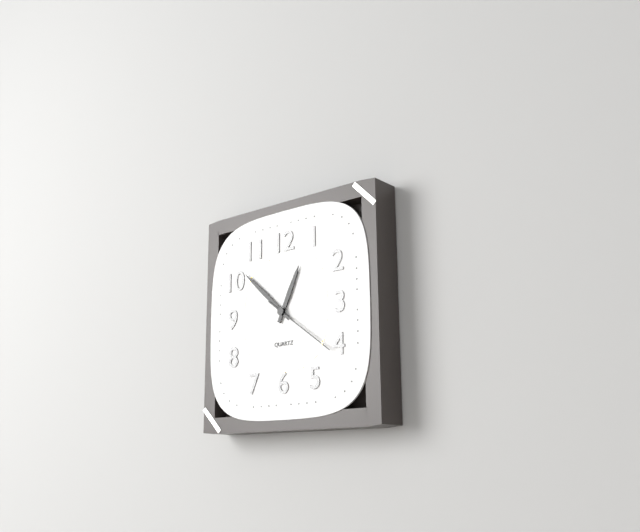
h=12 m=52 s=21
